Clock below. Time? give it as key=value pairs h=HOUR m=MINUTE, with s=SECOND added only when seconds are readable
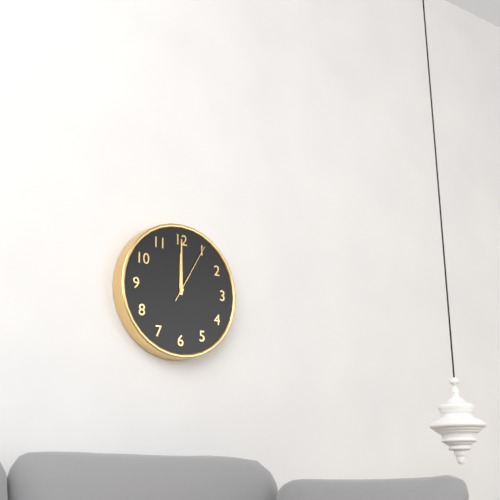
h=12 m=0 s=5
